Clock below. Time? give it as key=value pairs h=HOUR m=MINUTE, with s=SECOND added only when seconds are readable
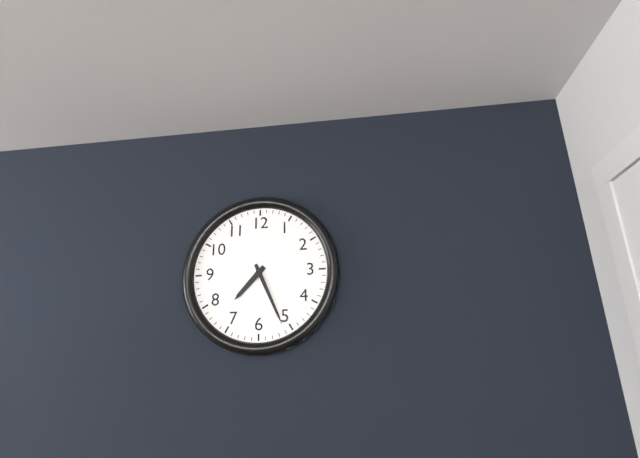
h=7 m=26
